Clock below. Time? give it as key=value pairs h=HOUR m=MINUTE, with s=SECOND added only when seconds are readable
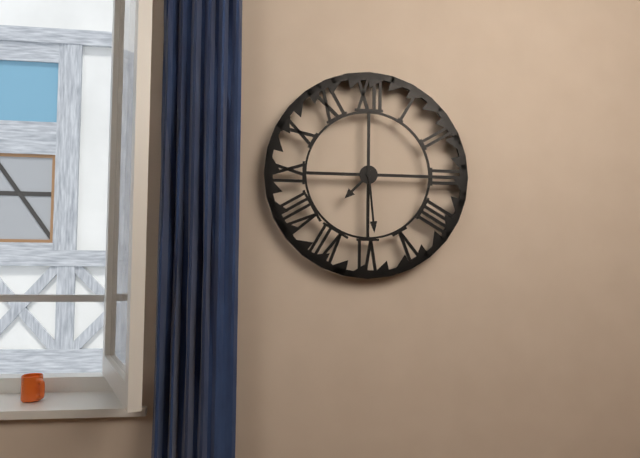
h=7 m=29
